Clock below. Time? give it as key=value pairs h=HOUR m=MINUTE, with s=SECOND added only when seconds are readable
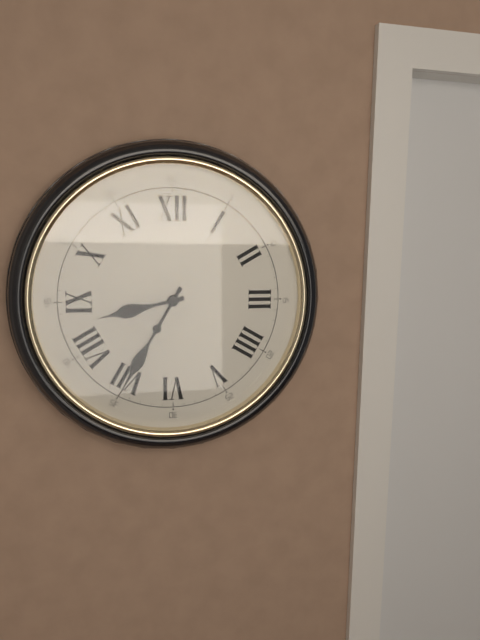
h=8 m=35
